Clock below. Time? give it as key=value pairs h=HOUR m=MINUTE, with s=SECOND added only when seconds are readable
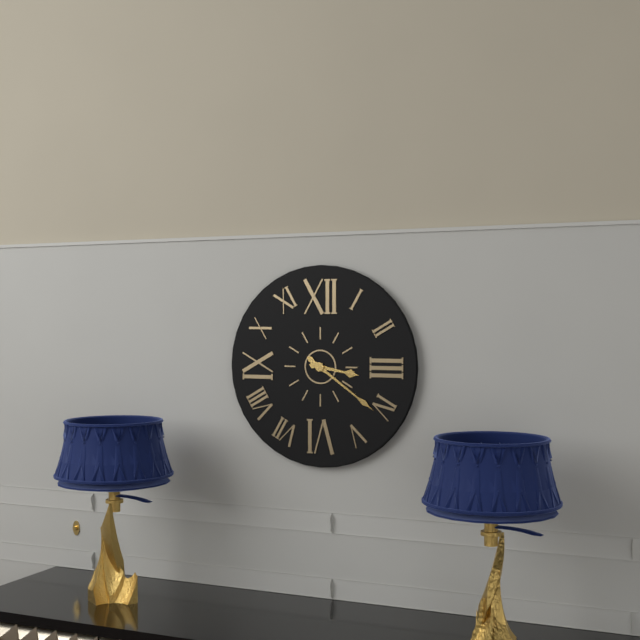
h=3 m=21
